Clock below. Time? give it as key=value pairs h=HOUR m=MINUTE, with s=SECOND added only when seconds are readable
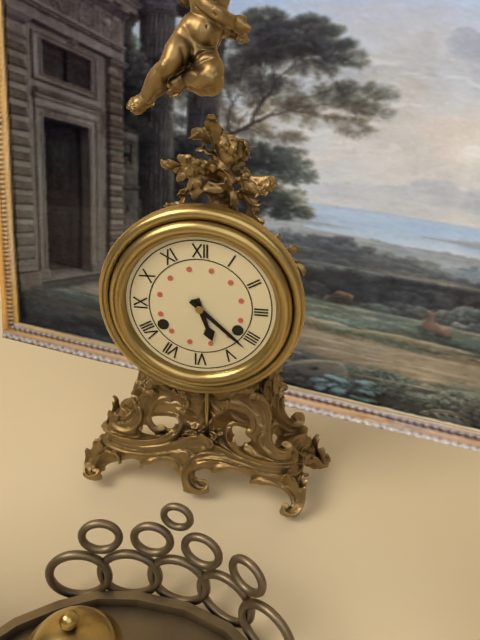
h=5 m=22
